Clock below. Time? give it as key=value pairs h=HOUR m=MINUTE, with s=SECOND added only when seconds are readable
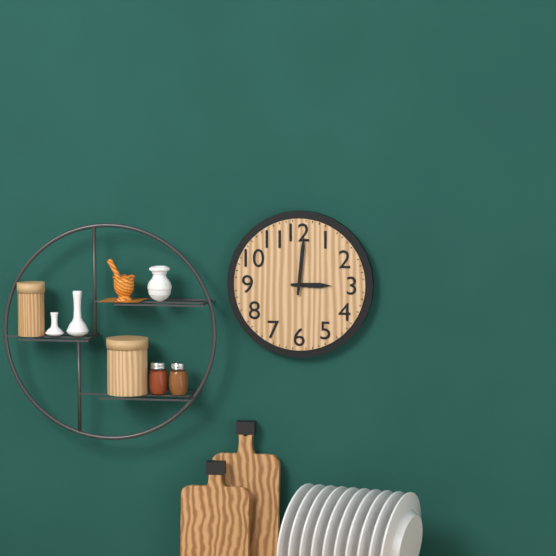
h=3 m=1
